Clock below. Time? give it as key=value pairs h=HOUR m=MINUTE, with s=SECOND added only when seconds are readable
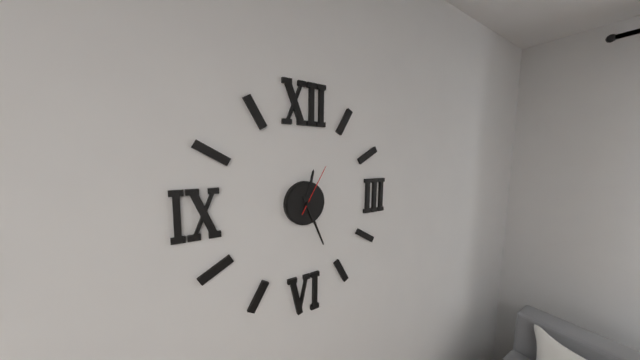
h=12 m=26 s=5
